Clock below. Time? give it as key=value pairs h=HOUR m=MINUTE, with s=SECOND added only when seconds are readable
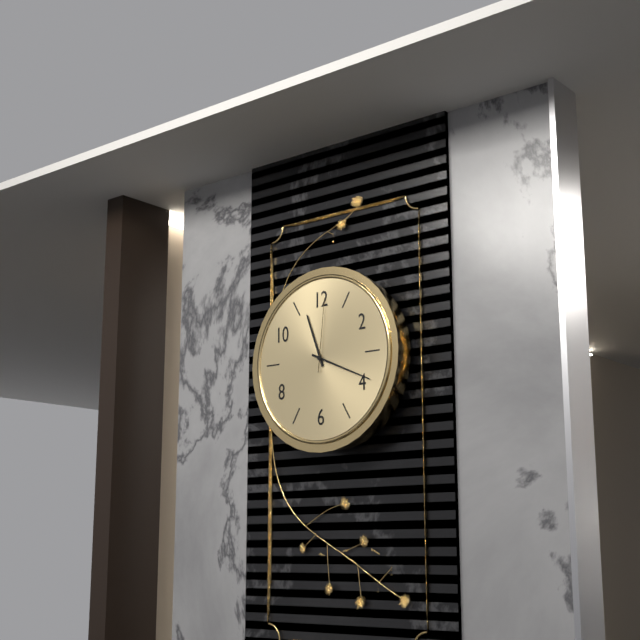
h=11 m=19 s=1
